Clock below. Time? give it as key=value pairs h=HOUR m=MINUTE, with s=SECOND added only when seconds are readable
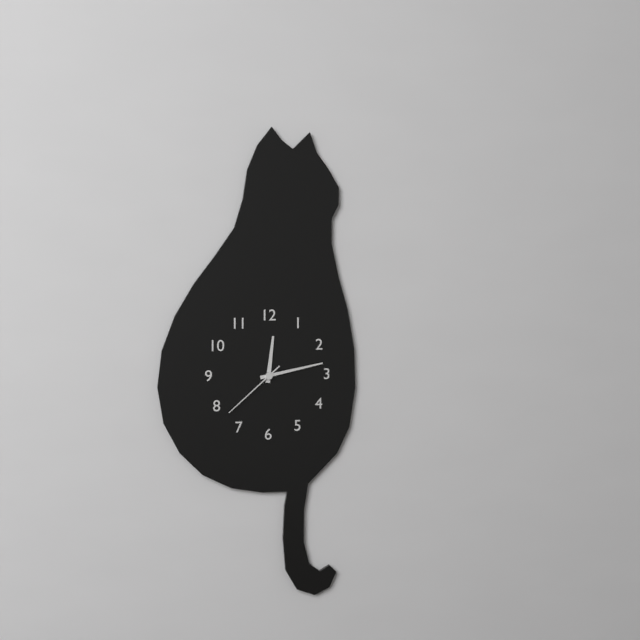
h=12 m=13 s=38
